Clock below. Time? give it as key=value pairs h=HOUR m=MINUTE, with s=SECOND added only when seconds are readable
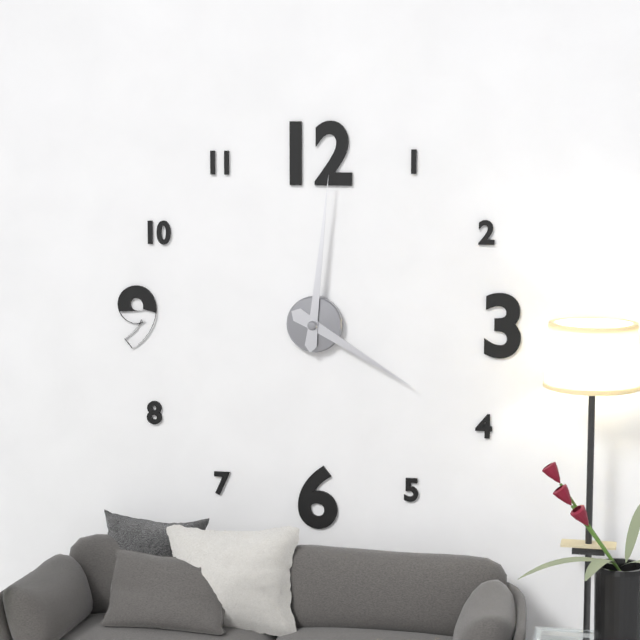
h=4 m=1
